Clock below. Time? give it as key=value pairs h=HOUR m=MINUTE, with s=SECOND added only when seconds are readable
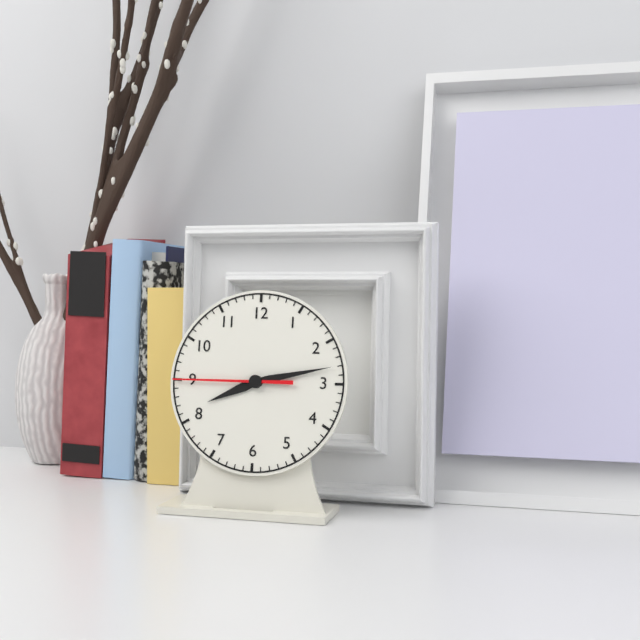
h=8 m=13 s=45
